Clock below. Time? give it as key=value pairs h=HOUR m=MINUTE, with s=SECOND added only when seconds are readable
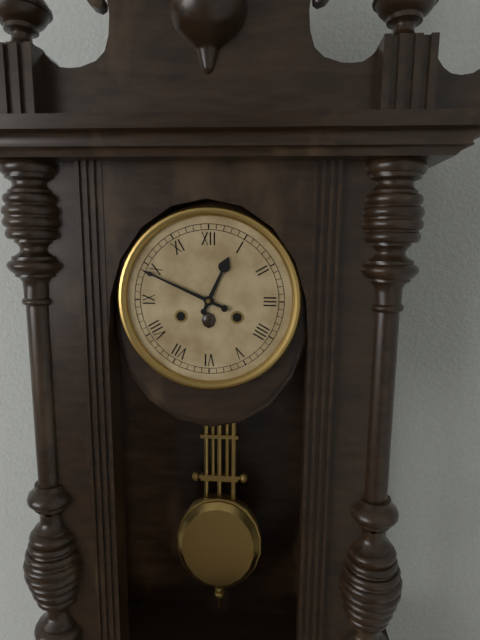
h=12 m=49
